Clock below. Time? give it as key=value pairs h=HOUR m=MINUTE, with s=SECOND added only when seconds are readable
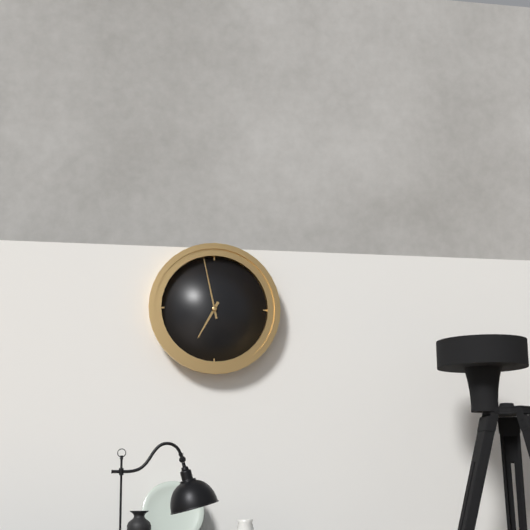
h=6 m=58
